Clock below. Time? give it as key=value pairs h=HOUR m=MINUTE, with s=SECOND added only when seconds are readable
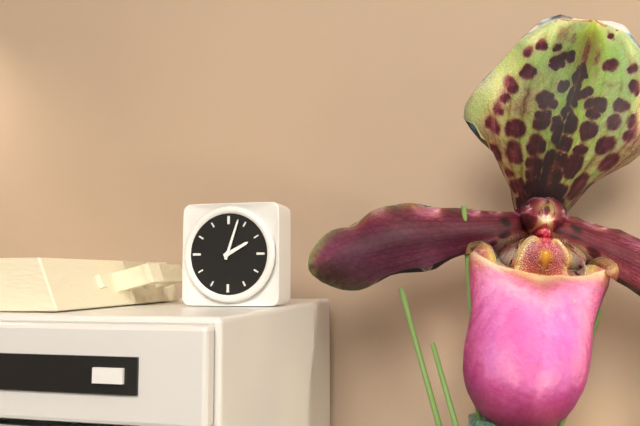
h=2 m=3
